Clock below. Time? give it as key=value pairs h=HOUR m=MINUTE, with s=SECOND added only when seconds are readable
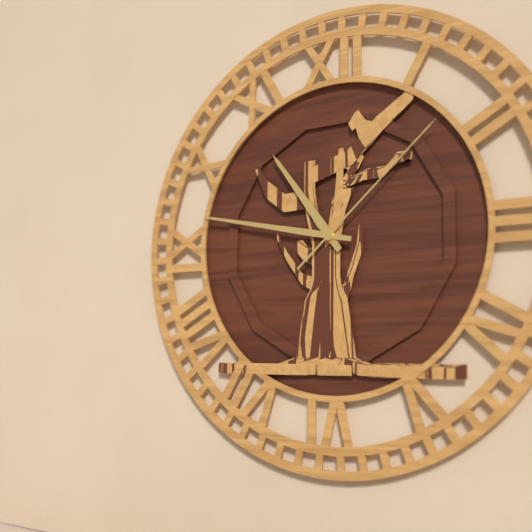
h=10 m=47 s=8
